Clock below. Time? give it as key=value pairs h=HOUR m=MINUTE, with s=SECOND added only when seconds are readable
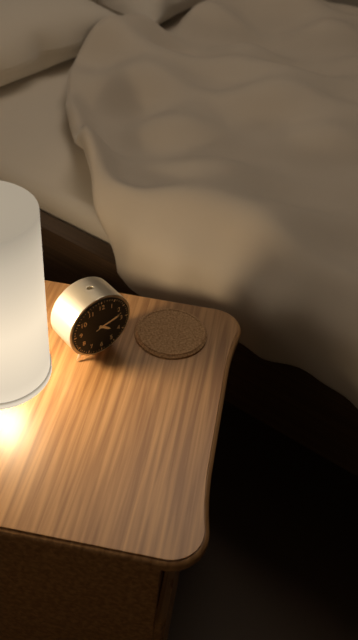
h=4 m=13
